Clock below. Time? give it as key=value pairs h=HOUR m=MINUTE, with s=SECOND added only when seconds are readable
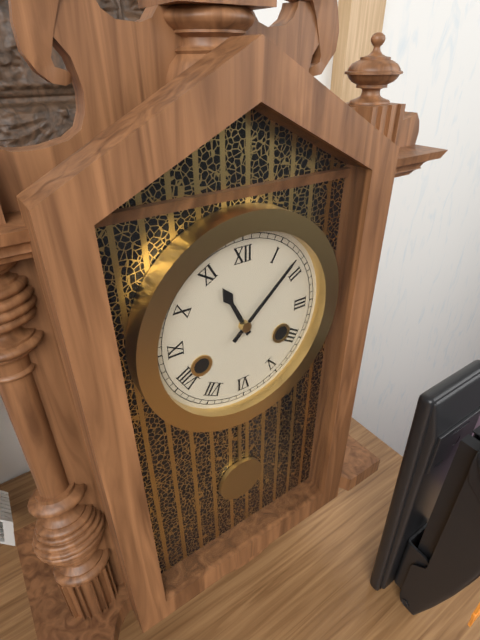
h=11 m=8
